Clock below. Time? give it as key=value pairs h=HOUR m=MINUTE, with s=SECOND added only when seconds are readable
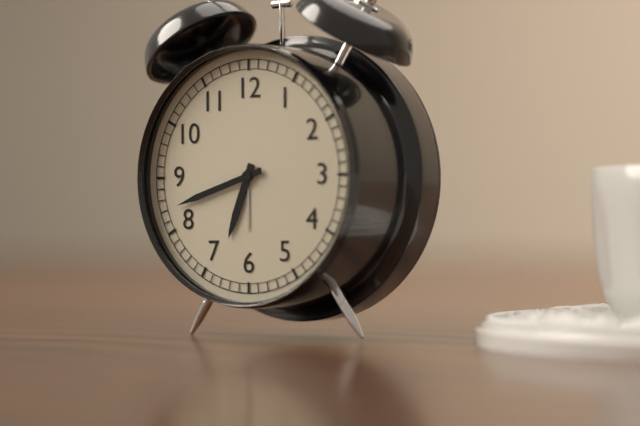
h=6 m=42
